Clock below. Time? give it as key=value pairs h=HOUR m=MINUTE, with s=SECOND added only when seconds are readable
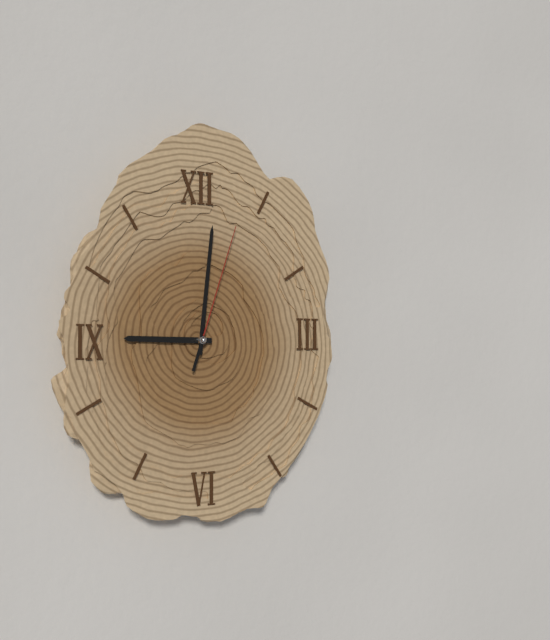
h=9 m=1 s=3
